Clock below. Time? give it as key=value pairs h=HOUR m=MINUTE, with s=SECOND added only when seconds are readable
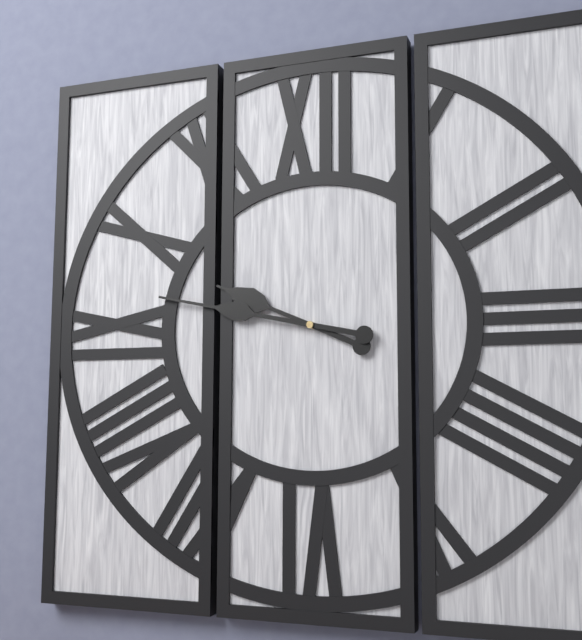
h=9 m=47
